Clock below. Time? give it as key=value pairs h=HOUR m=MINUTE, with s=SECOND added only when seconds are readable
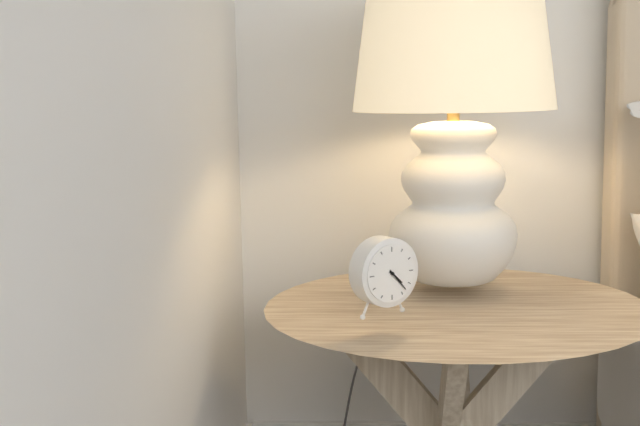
h=4 m=23
